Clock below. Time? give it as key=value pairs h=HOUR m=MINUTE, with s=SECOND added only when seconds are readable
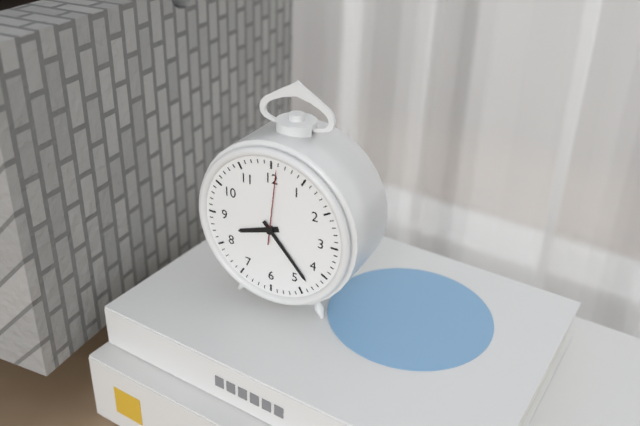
h=8 m=23 s=1
